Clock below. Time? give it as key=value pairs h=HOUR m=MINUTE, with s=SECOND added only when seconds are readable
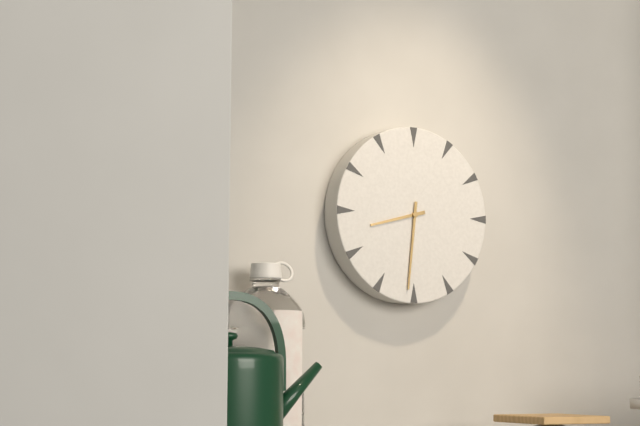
h=8 m=31
